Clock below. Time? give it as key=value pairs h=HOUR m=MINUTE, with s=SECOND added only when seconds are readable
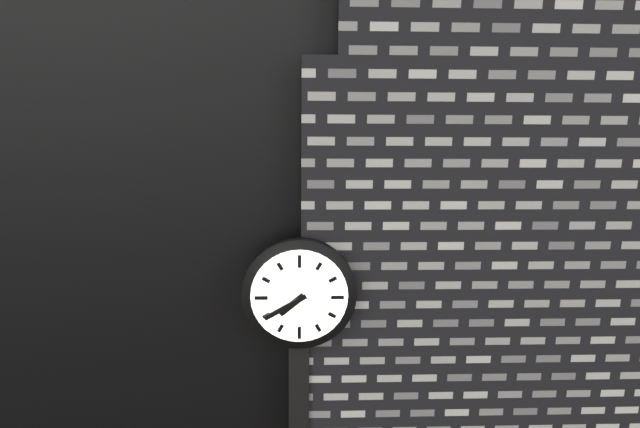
h=7 m=40
